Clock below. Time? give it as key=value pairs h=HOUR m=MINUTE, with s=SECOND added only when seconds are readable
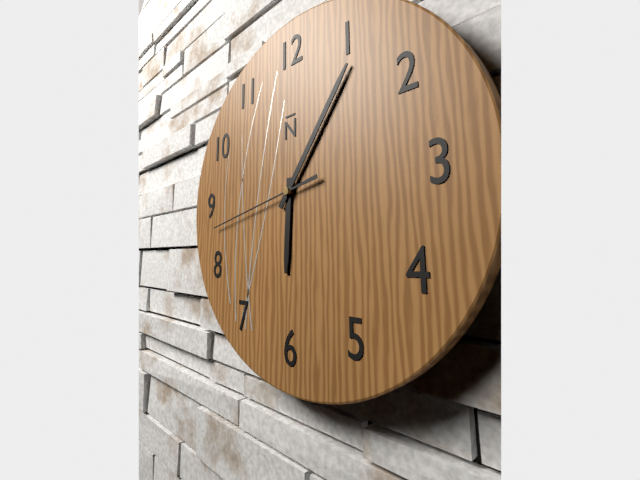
h=6 m=6 s=43
